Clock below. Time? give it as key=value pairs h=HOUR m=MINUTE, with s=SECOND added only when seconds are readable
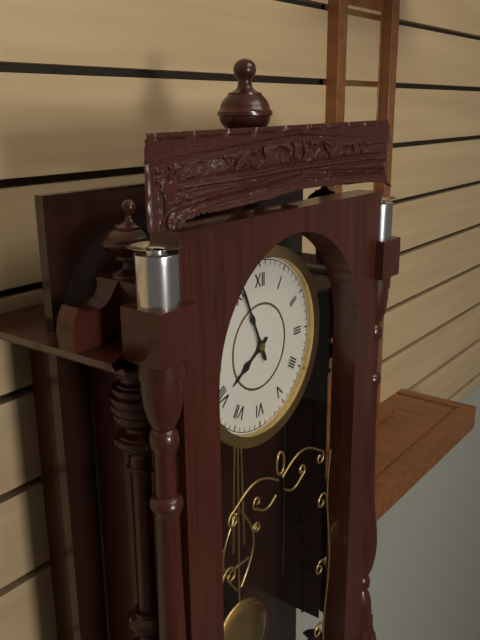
h=7 m=56
